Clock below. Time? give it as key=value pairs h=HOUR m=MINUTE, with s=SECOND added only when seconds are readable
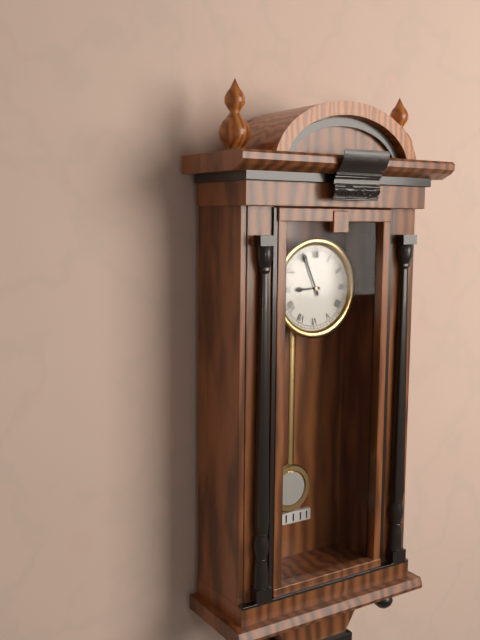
h=8 m=56
